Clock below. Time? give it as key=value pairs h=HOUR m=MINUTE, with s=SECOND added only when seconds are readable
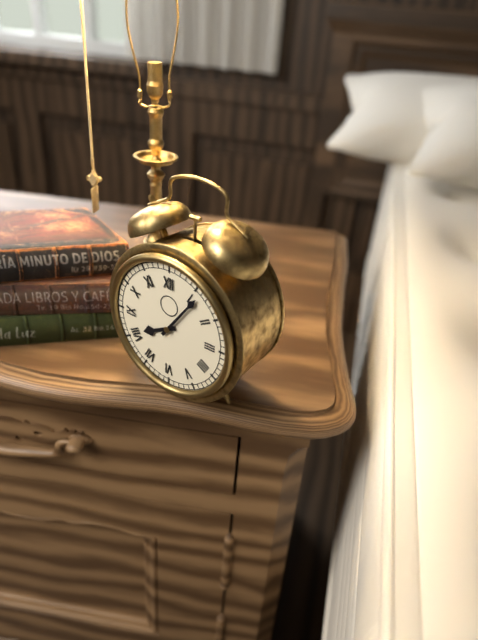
h=8 m=6
